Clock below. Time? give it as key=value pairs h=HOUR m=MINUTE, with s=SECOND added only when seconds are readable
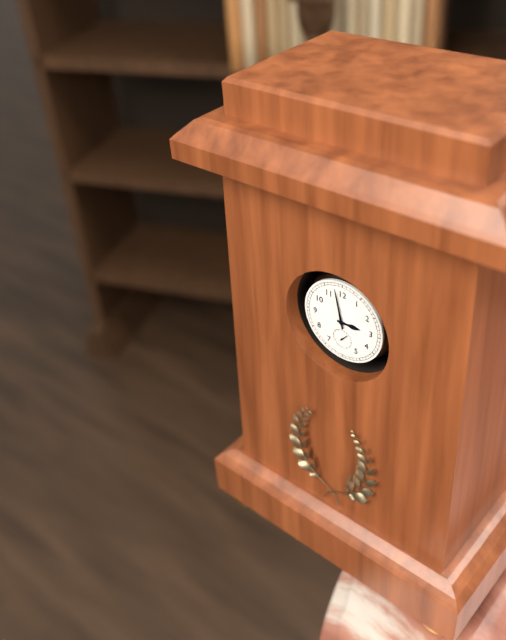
h=2 m=58
